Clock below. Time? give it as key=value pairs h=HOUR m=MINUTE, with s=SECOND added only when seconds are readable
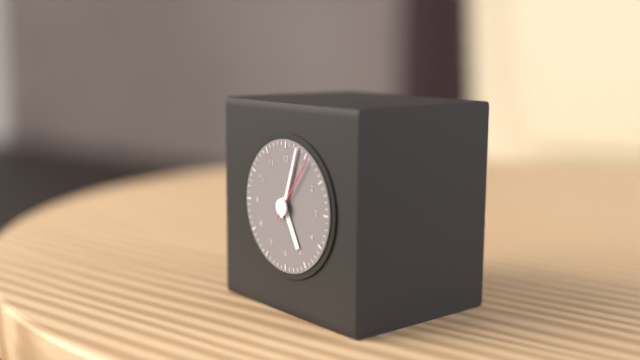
h=5 m=3 s=6
